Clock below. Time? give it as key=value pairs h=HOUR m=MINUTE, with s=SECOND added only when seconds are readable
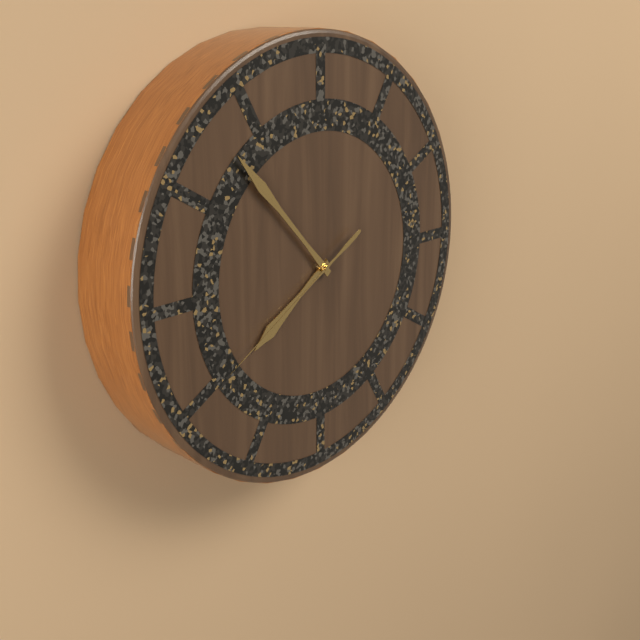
h=7 m=53 s=40
